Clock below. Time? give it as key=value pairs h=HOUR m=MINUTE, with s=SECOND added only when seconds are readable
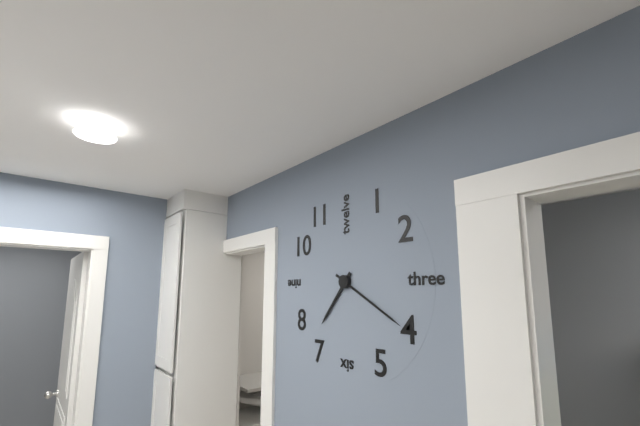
h=7 m=20
